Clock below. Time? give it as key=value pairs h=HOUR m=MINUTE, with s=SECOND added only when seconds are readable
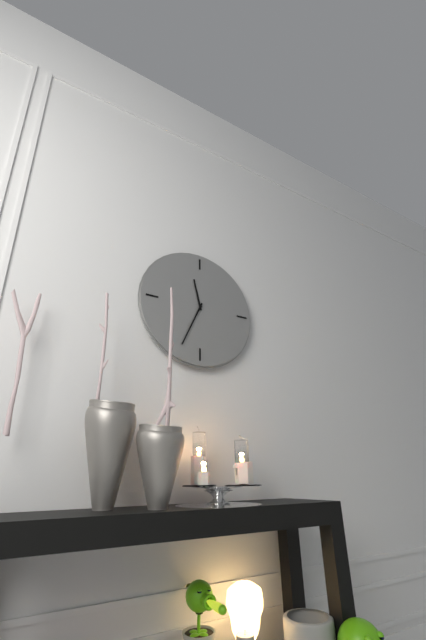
h=11 m=34
